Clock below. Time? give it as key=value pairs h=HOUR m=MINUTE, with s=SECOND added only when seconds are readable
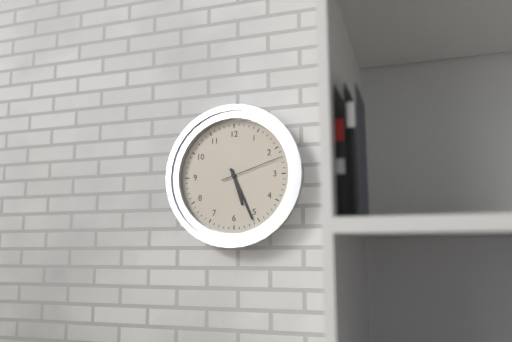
h=5 m=26 s=12
